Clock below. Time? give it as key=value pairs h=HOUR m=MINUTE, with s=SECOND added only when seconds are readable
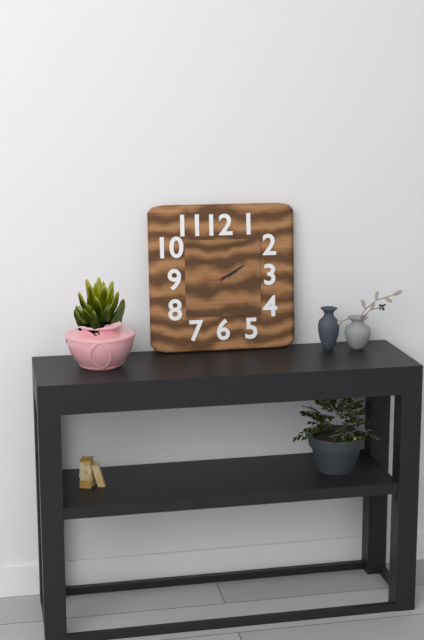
h=2 m=10
